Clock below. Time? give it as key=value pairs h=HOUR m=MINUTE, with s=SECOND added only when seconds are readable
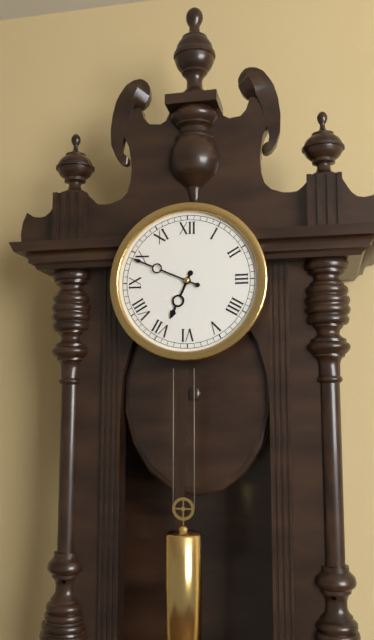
h=6 m=49
